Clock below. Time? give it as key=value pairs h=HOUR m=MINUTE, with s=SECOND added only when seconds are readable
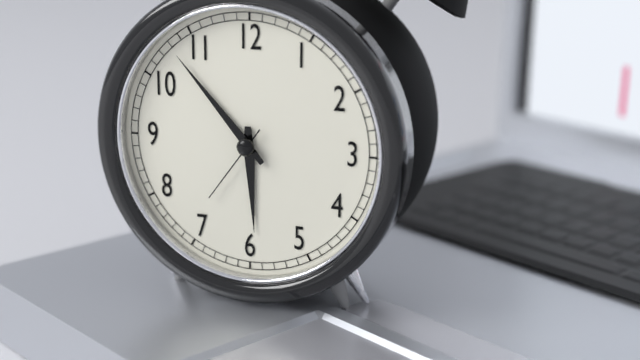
h=5 m=53 s=36
